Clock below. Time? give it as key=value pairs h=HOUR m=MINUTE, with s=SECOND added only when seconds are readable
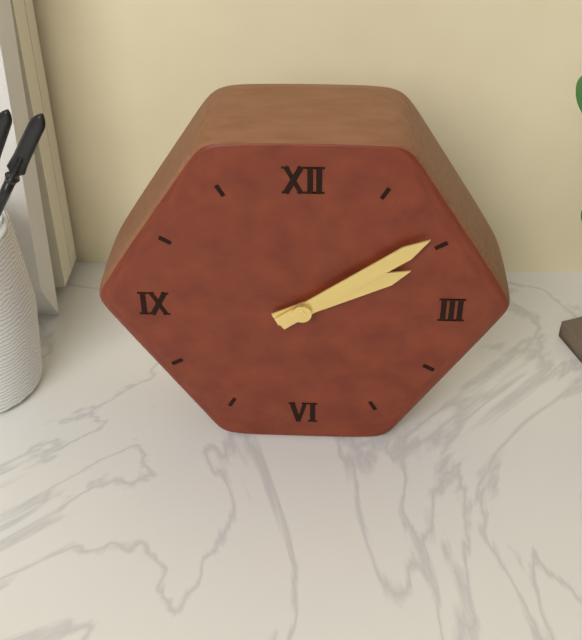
h=2 m=9
